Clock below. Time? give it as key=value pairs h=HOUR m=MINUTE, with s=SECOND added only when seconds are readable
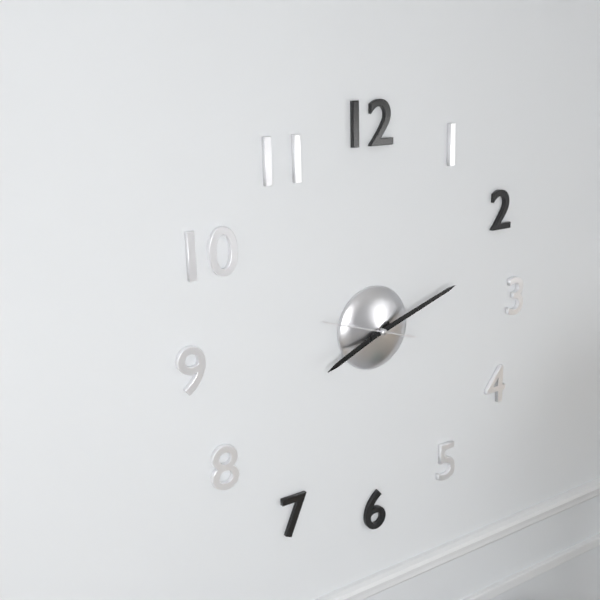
h=8 m=12 s=48
